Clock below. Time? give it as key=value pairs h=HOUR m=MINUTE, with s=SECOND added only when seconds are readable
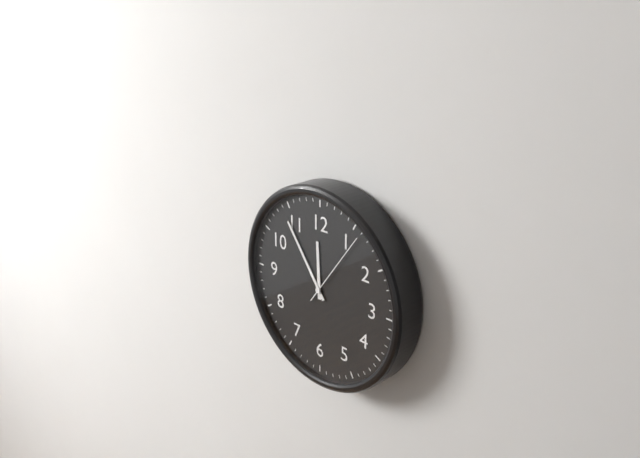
h=11 m=54 s=6
